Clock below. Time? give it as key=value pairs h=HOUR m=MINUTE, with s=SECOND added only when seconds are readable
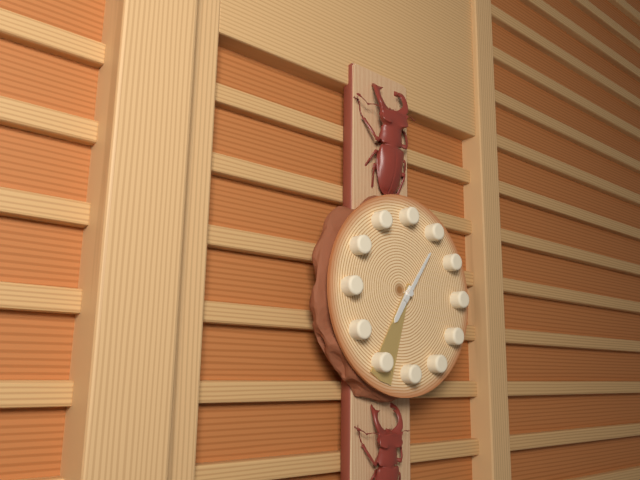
h=7 m=6 s=34
